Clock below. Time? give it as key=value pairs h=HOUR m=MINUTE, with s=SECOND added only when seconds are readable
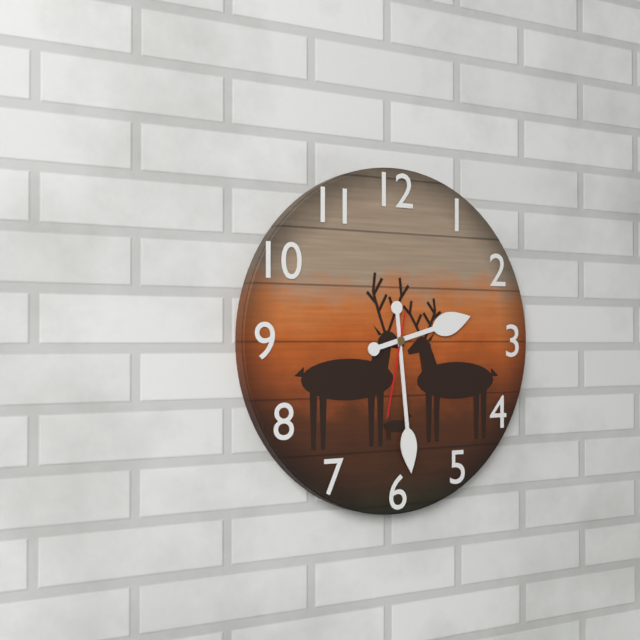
h=2 m=29 s=32
